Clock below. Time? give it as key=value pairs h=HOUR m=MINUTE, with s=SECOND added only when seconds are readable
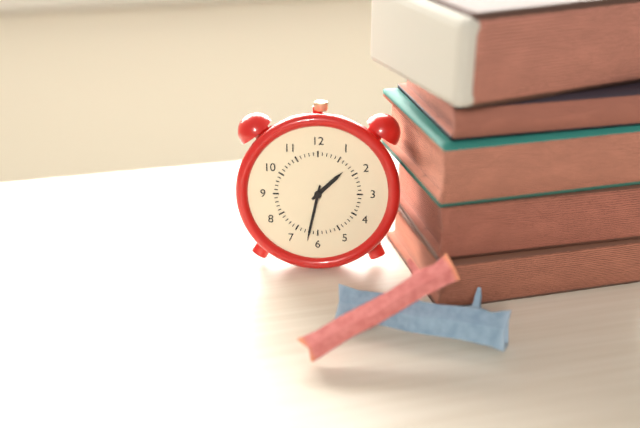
h=1 m=32
